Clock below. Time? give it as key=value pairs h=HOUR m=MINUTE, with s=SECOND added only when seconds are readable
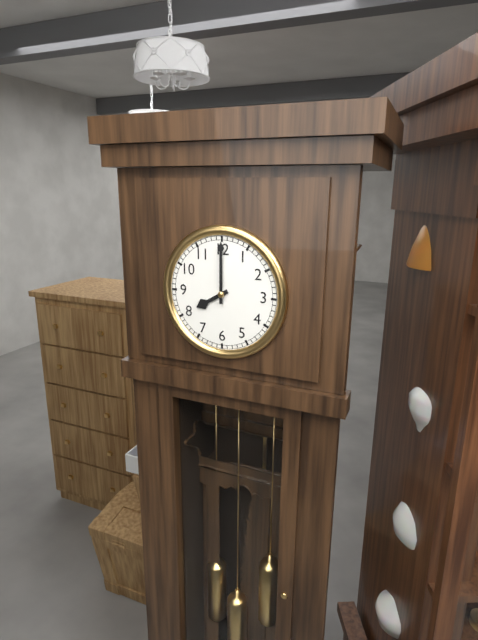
h=8 m=0
